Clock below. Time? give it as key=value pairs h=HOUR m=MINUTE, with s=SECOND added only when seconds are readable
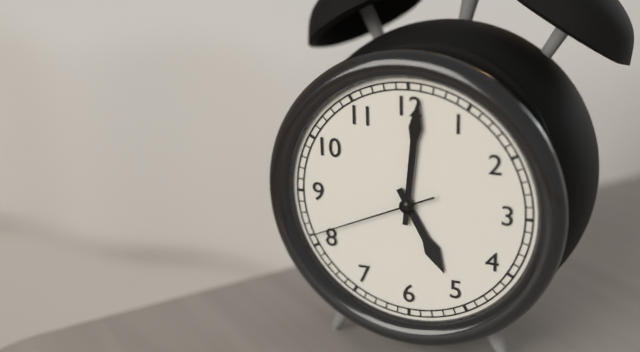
h=5 m=1 s=41
